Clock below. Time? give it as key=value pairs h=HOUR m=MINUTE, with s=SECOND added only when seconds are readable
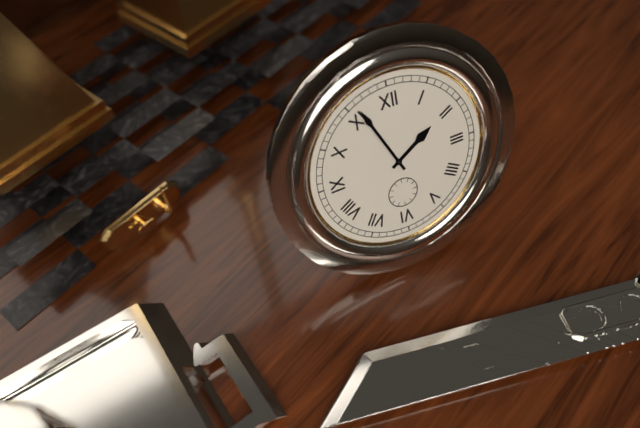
h=1 m=56
